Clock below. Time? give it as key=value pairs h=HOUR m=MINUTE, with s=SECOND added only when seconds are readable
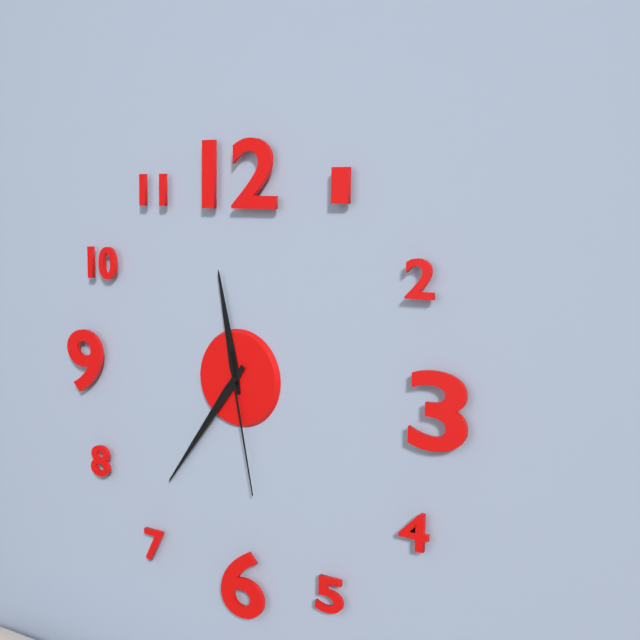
h=11 m=36 s=28
